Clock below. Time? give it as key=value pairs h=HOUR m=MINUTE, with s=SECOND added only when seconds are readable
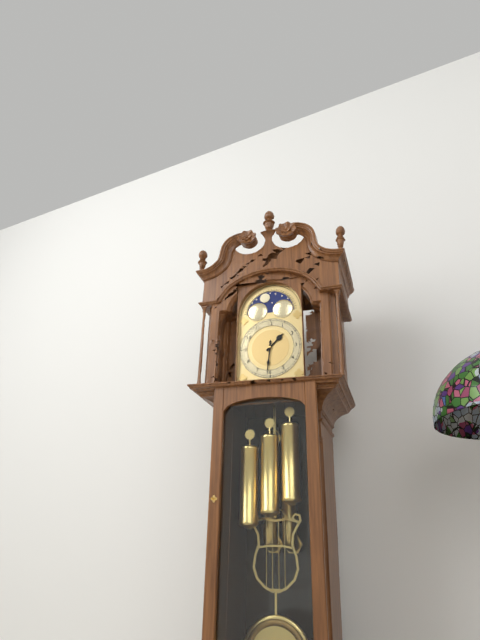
h=1 m=31
